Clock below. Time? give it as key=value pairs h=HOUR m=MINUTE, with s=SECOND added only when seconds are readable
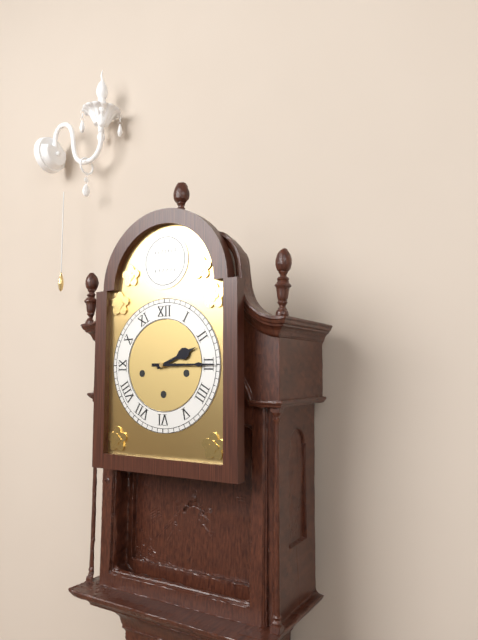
h=2 m=15
